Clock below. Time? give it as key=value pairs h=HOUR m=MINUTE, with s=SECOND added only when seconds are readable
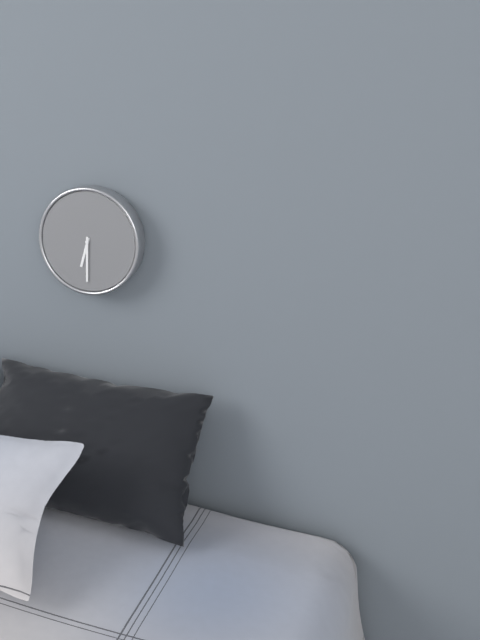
h=6 m=30
